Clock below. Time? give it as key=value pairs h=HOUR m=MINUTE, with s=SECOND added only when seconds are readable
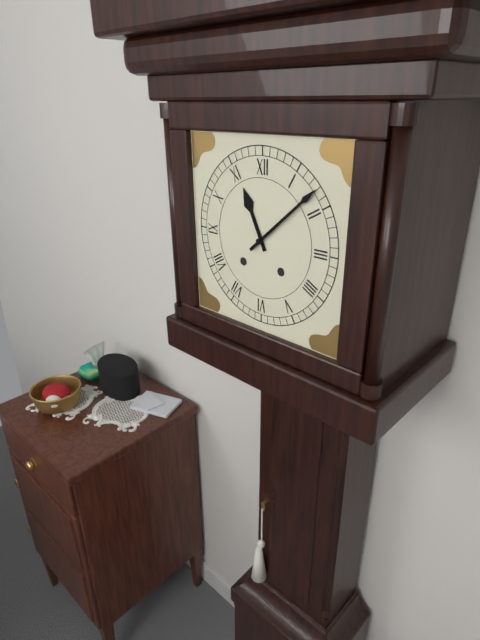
h=11 m=8
